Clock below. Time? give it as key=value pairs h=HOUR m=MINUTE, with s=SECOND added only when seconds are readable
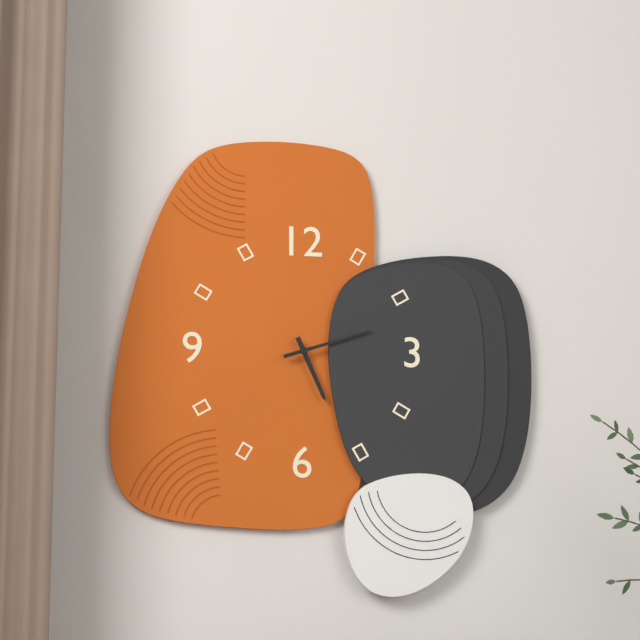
h=5 m=12
